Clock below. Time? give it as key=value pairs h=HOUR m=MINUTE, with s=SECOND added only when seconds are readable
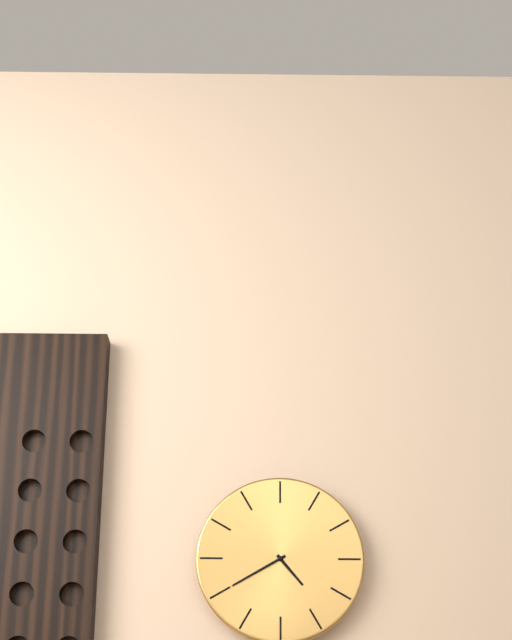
h=4 m=40
